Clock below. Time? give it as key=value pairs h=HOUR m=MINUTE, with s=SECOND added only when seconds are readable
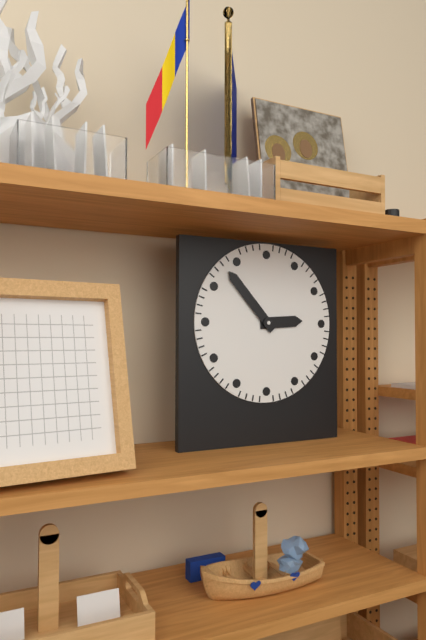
h=2 m=53
